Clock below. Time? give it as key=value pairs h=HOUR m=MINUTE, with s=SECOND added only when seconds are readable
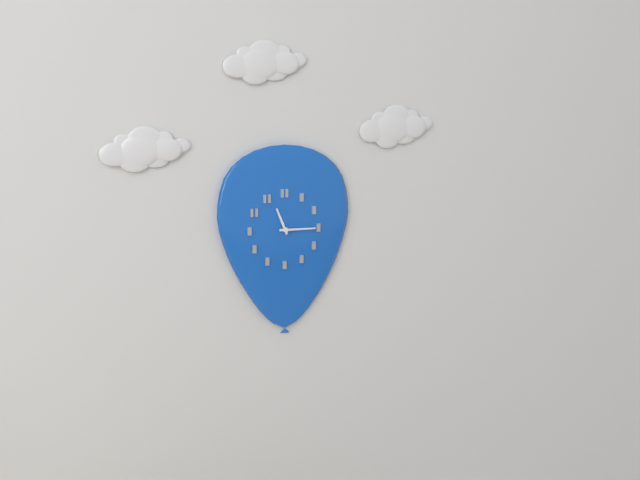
h=11 m=15
